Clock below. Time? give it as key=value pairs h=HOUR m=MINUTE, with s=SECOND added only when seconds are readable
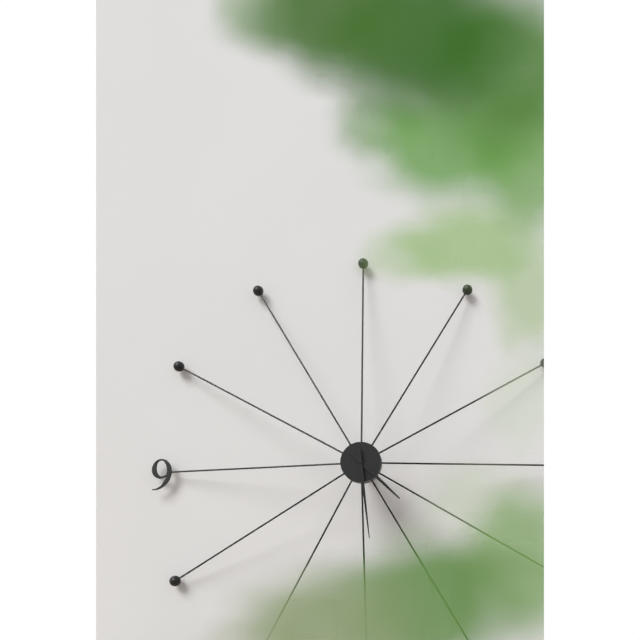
h=4 m=29
